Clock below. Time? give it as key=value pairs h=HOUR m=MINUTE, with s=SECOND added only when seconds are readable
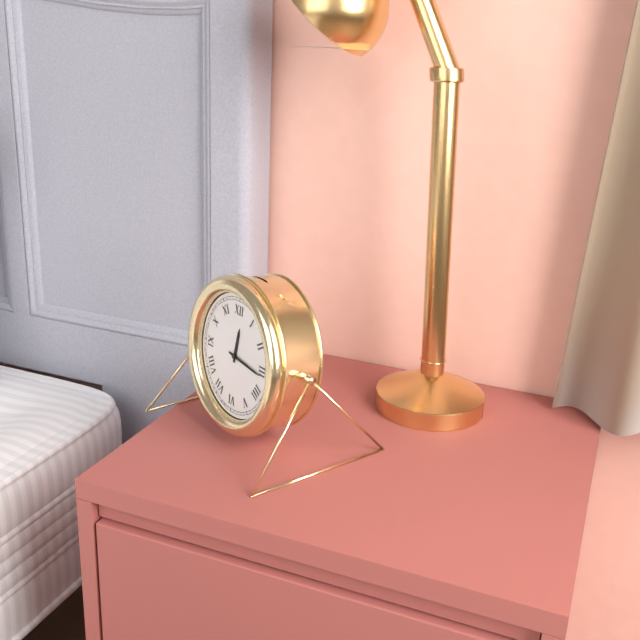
h=12 m=16
